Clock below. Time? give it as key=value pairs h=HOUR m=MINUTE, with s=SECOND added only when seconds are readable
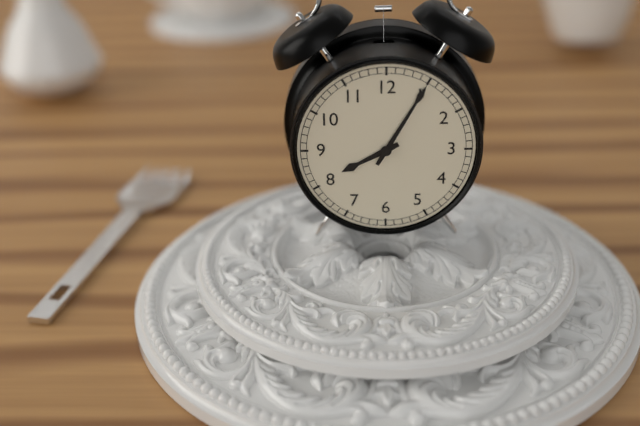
h=8 m=5
